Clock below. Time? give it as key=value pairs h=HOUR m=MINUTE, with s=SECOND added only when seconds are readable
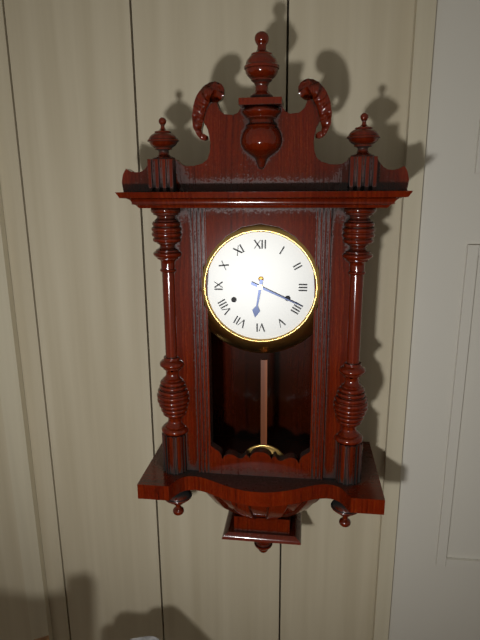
h=6 m=19
